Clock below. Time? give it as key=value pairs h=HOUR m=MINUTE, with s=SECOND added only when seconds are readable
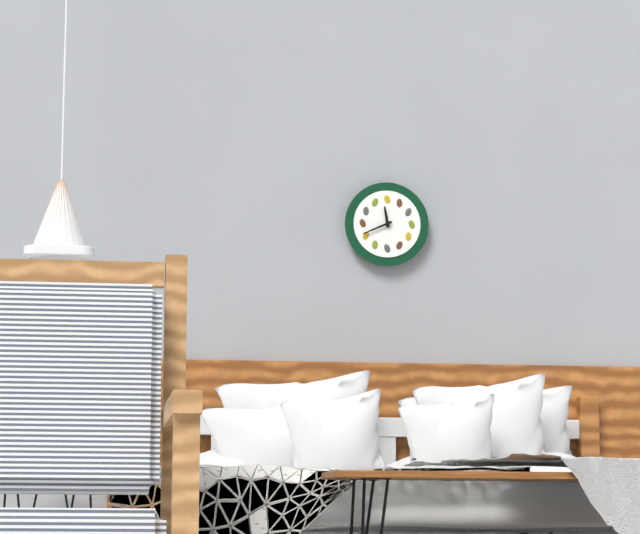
h=11 m=41
